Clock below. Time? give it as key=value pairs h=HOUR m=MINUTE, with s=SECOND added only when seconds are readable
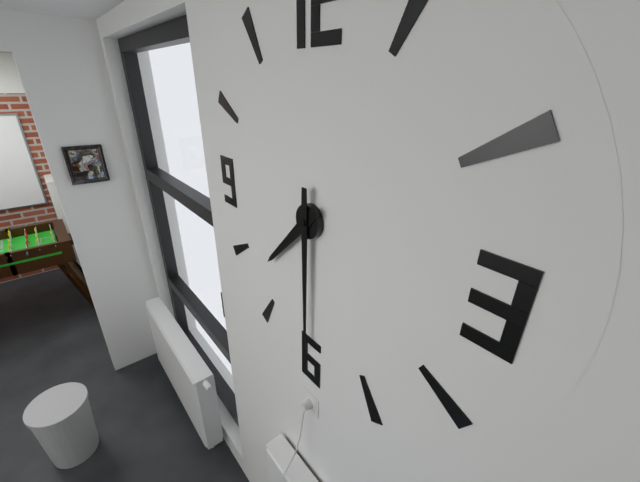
h=7 m=30
